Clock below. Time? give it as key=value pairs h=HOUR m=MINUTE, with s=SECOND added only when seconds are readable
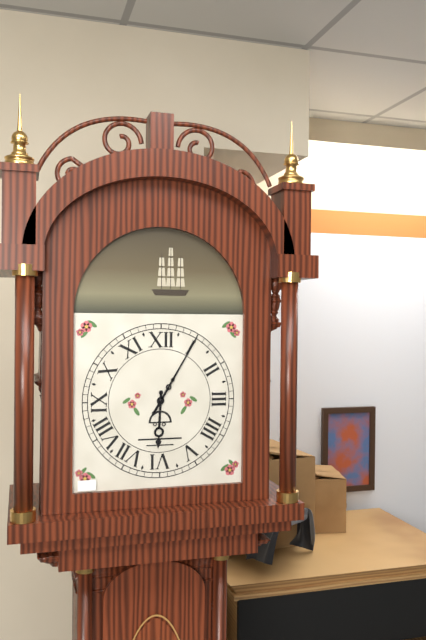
h=6 m=5
